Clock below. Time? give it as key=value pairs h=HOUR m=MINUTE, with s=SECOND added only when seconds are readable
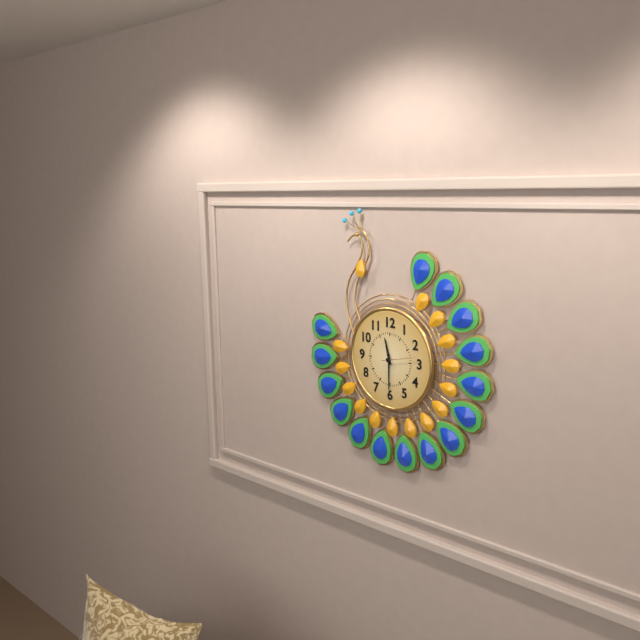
h=11 m=30
